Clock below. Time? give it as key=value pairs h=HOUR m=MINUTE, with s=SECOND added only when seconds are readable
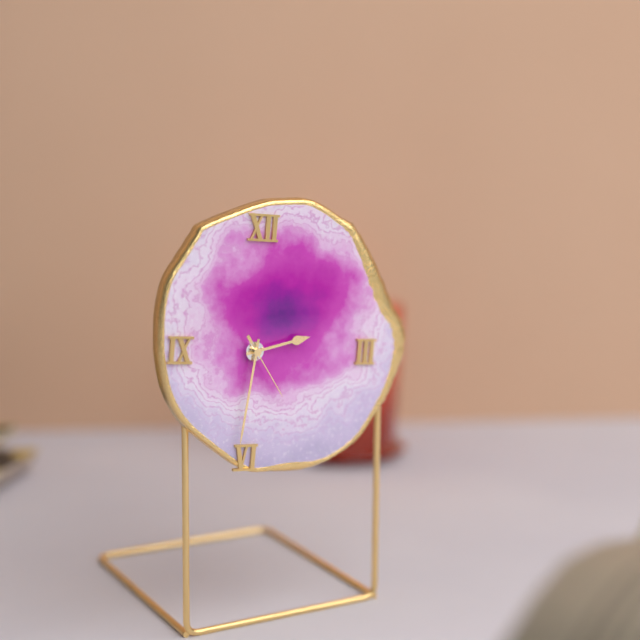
h=2 m=31 s=24
